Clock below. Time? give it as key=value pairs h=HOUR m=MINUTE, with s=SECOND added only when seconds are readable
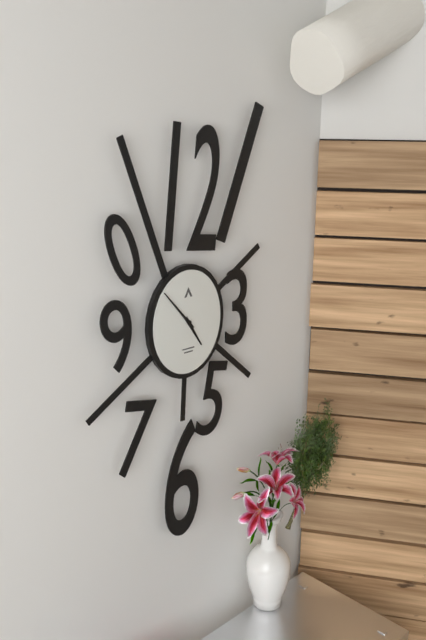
h=4 m=53
